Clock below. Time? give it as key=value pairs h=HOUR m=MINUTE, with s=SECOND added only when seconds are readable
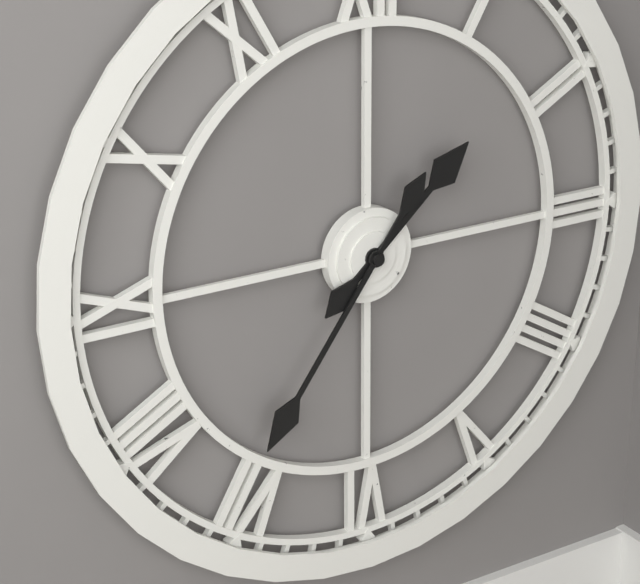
h=1 m=36
